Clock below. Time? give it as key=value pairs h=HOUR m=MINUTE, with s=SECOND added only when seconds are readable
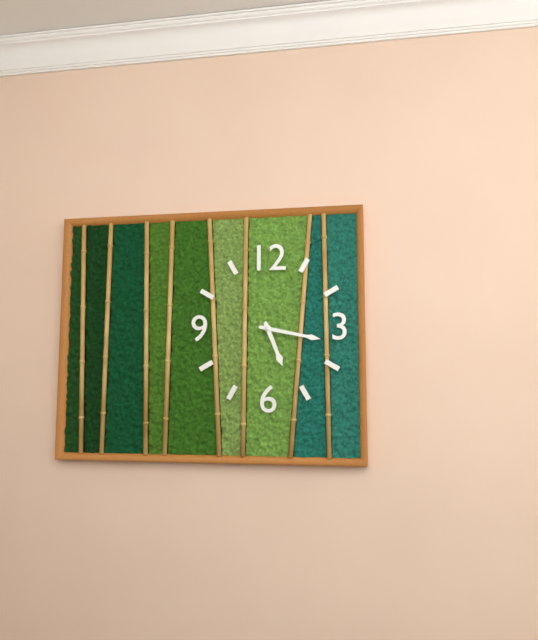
h=5 m=17
